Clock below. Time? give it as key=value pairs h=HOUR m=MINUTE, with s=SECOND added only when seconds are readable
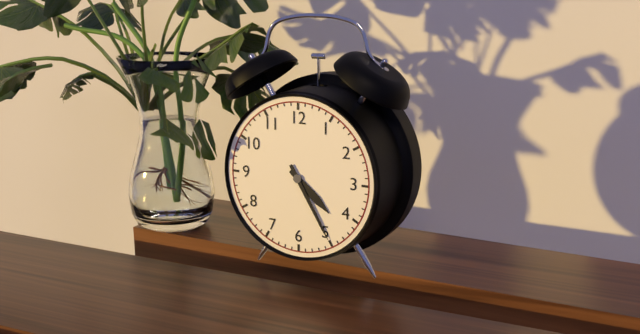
h=4 m=25
